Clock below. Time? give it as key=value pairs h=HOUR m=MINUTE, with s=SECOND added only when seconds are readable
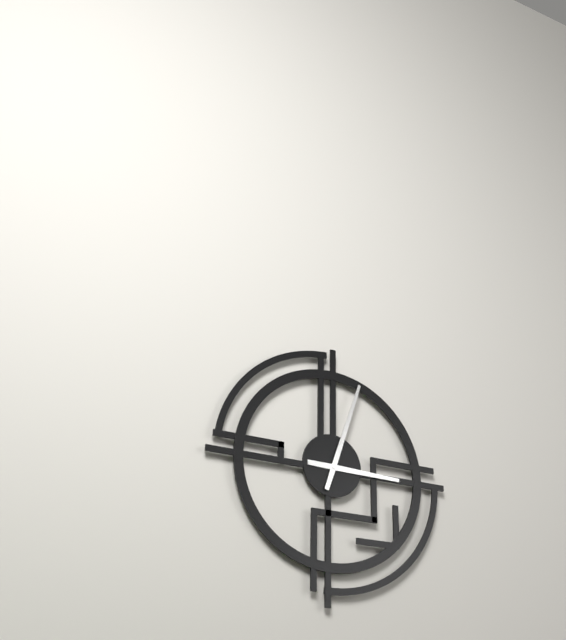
h=3 m=3
